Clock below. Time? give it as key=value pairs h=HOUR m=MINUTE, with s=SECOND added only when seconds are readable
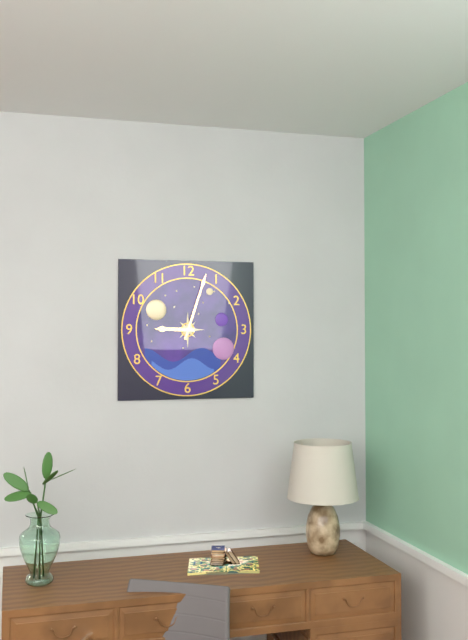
h=9 m=3
